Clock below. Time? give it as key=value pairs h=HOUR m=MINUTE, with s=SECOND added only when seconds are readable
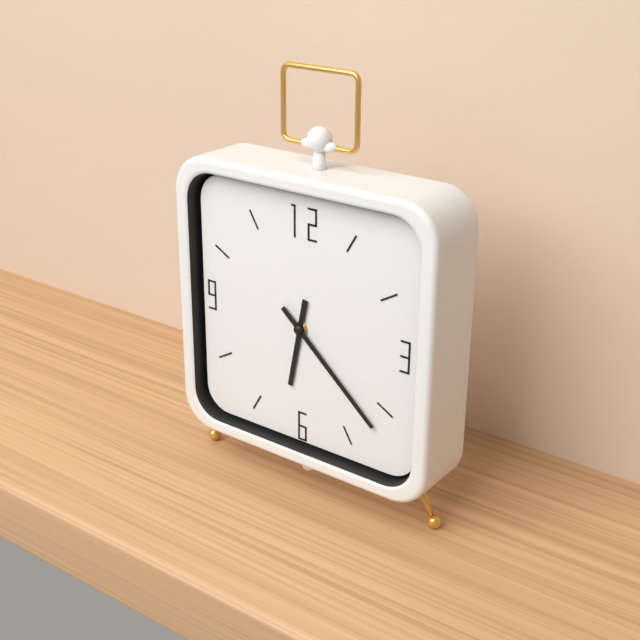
h=6 m=22
